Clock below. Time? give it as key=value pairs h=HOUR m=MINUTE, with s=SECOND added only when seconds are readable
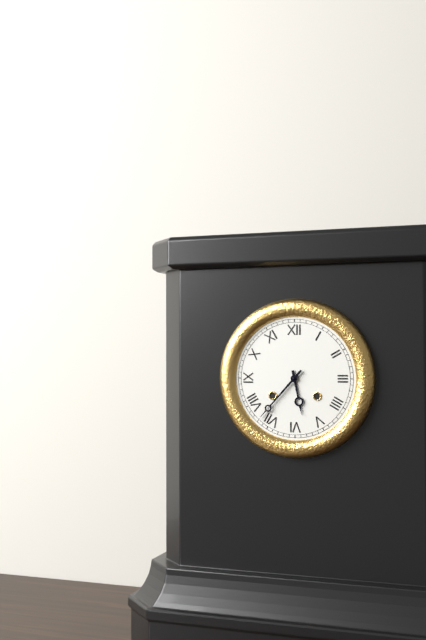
h=5 m=37
